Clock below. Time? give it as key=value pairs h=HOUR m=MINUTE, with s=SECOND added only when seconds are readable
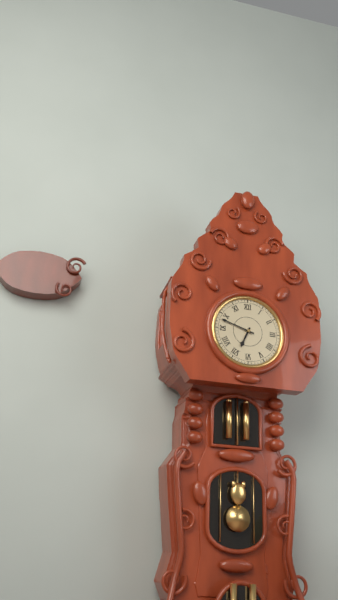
h=6 m=48
